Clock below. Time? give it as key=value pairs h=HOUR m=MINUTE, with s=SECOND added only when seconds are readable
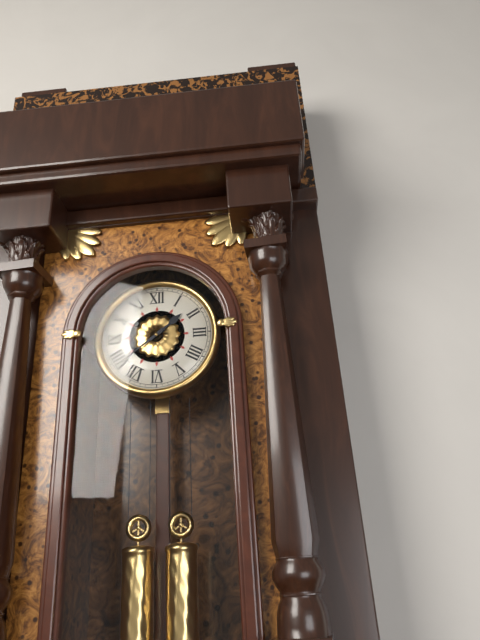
h=1 m=39
